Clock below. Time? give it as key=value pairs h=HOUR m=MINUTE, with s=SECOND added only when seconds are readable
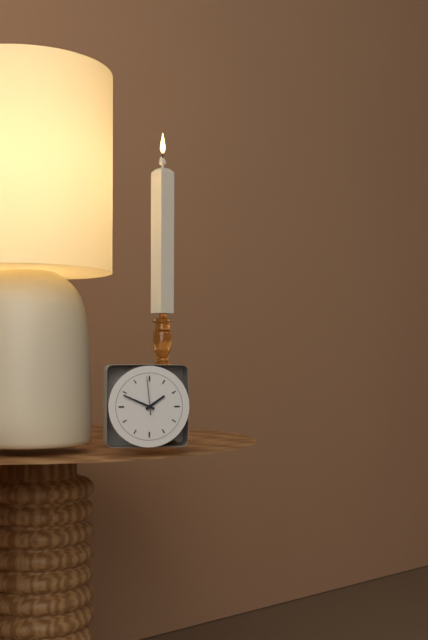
h=1 m=49
